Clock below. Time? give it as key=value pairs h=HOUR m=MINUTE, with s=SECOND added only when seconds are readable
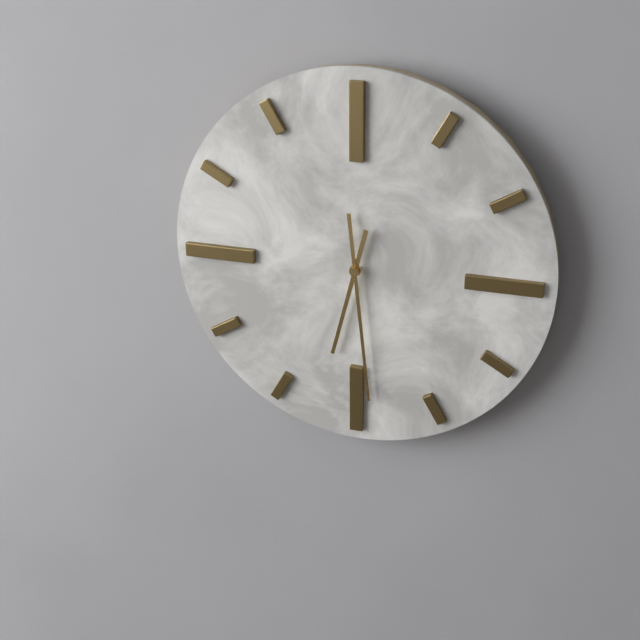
h=6 m=29
